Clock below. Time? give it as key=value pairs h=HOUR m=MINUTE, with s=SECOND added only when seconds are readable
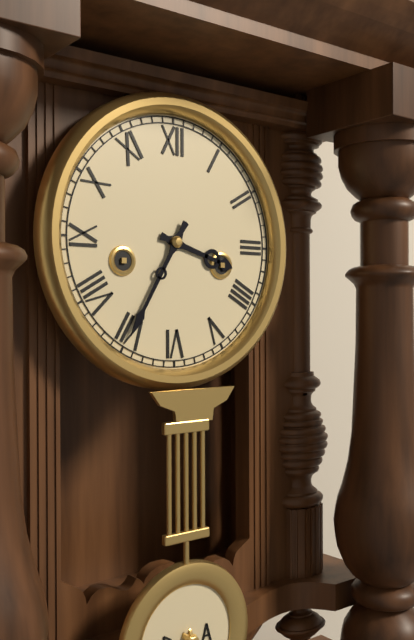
h=3 m=35
